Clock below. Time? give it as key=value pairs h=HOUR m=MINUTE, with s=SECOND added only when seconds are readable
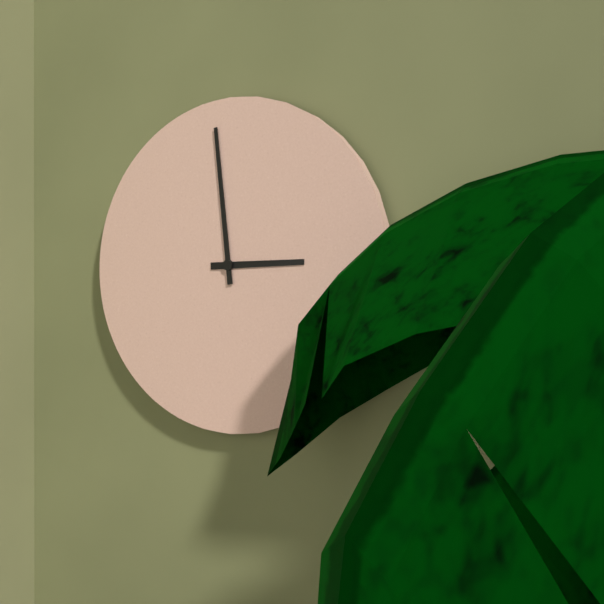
h=2 m=59
